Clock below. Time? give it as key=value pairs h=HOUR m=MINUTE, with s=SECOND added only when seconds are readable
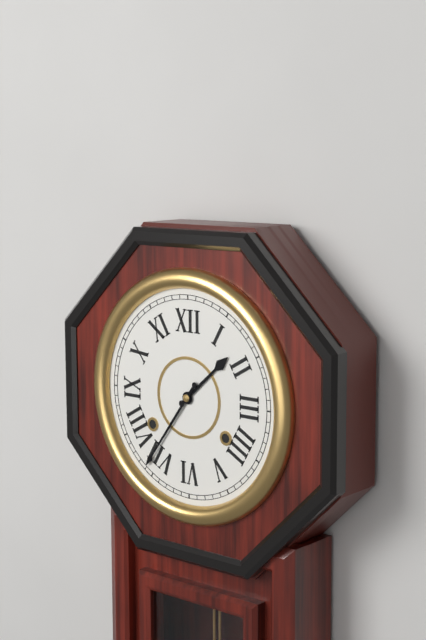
h=1 m=36
